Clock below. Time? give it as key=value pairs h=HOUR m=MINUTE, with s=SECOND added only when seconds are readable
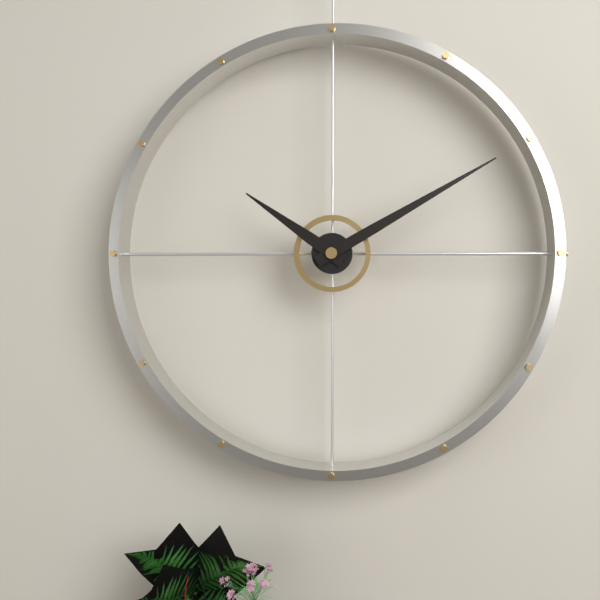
h=10 m=10
